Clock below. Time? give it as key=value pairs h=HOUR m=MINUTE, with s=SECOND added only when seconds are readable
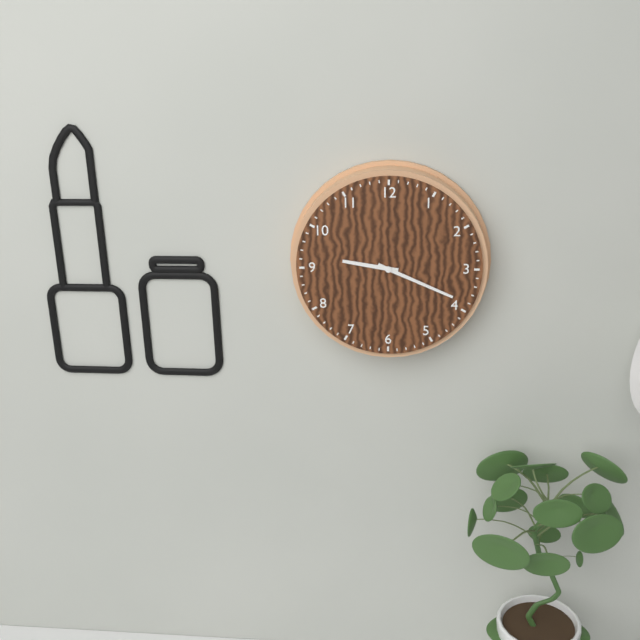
h=9 m=19
